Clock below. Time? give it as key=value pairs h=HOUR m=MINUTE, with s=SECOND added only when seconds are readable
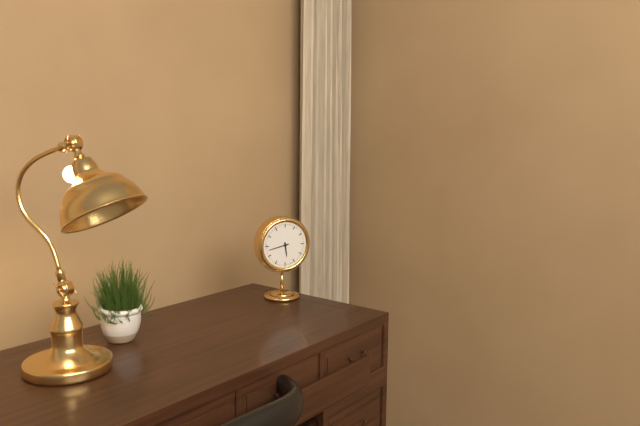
h=5 m=43
